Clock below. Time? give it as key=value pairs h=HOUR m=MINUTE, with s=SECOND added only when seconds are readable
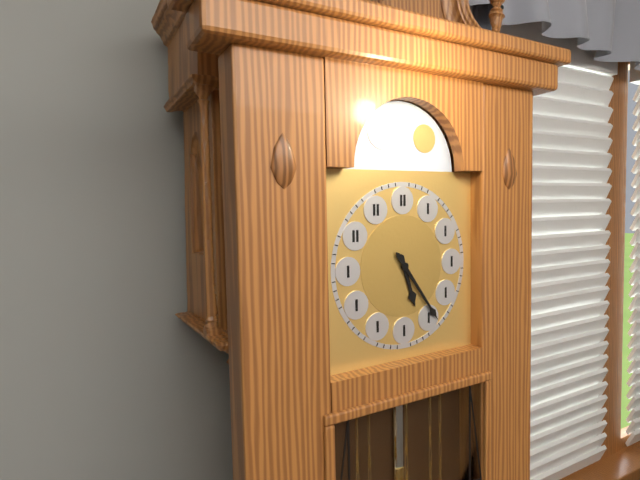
h=5 m=24
